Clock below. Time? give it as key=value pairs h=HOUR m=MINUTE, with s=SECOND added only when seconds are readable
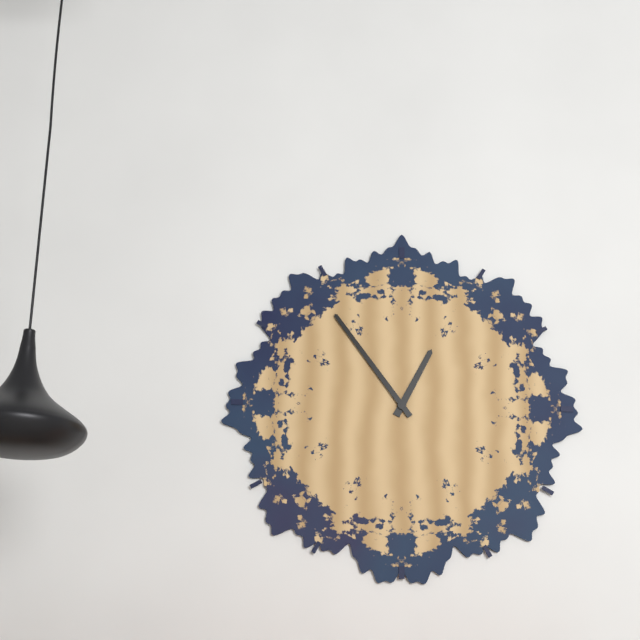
h=12 m=54
